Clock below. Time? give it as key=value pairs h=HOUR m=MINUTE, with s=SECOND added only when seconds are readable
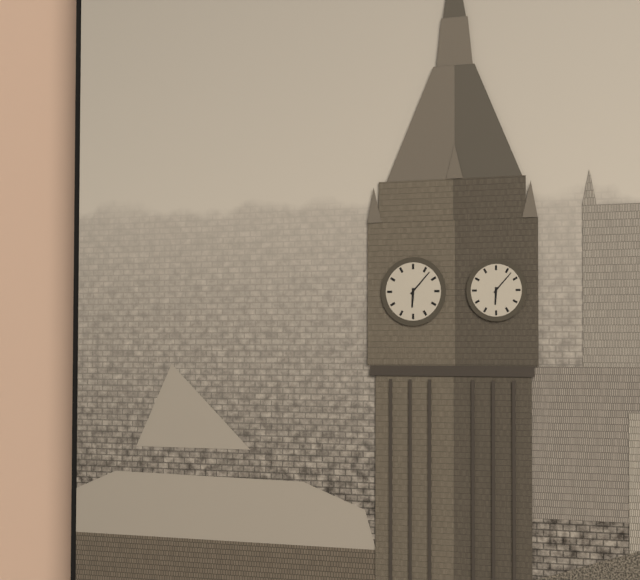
h=6 m=7
